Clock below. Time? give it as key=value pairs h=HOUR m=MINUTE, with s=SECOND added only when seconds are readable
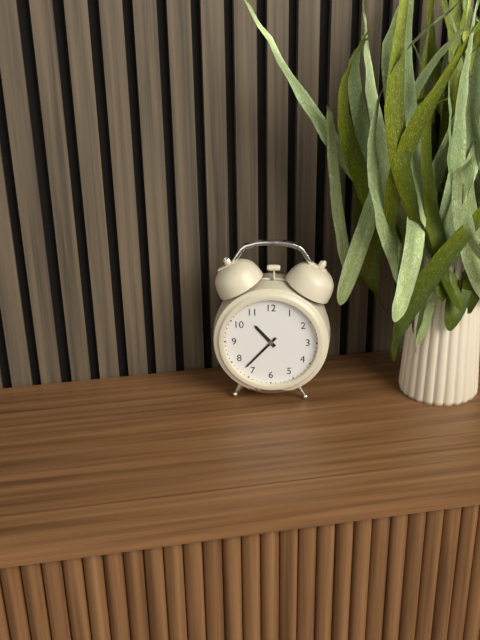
h=10 m=37
